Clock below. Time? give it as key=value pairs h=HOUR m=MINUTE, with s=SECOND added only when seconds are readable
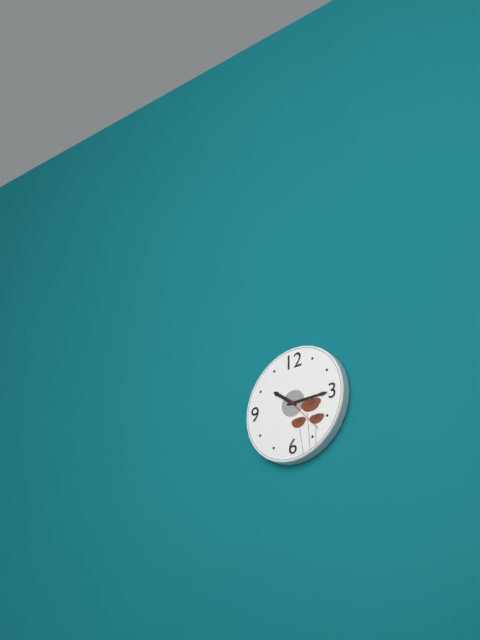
h=10 m=15
